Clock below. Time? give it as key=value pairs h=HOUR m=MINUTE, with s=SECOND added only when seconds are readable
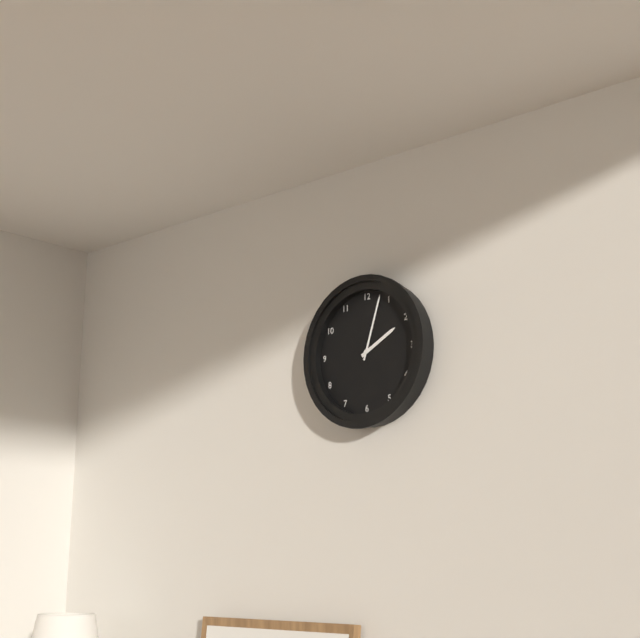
h=2 m=3
